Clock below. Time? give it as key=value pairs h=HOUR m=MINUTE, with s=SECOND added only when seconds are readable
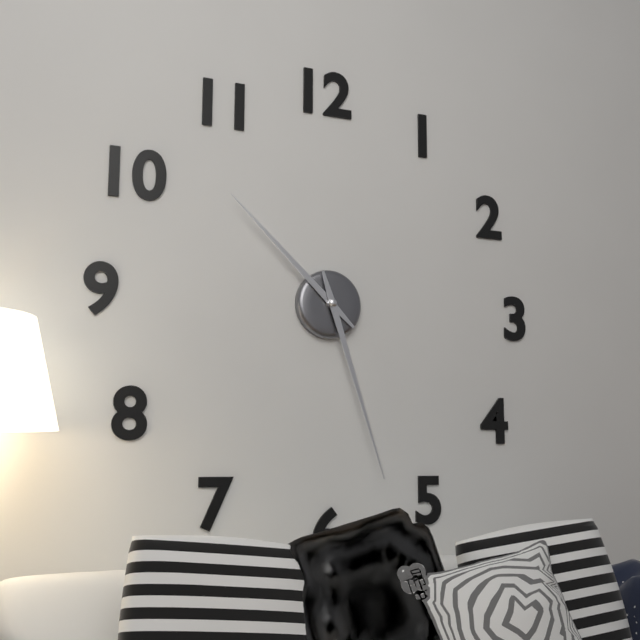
h=10 m=27
